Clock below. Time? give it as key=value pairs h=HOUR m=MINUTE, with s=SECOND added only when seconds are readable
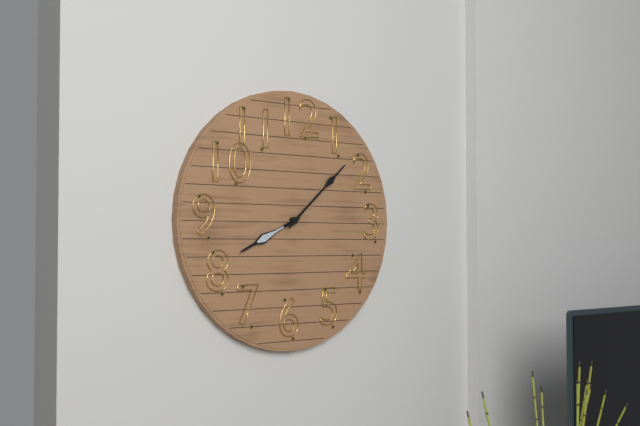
h=8 m=8
